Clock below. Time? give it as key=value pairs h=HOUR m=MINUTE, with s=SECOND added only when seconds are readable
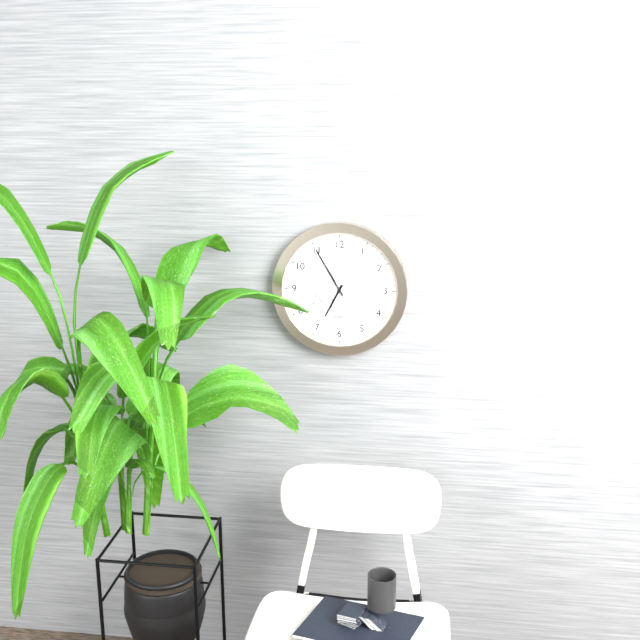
h=6 m=55 s=56
